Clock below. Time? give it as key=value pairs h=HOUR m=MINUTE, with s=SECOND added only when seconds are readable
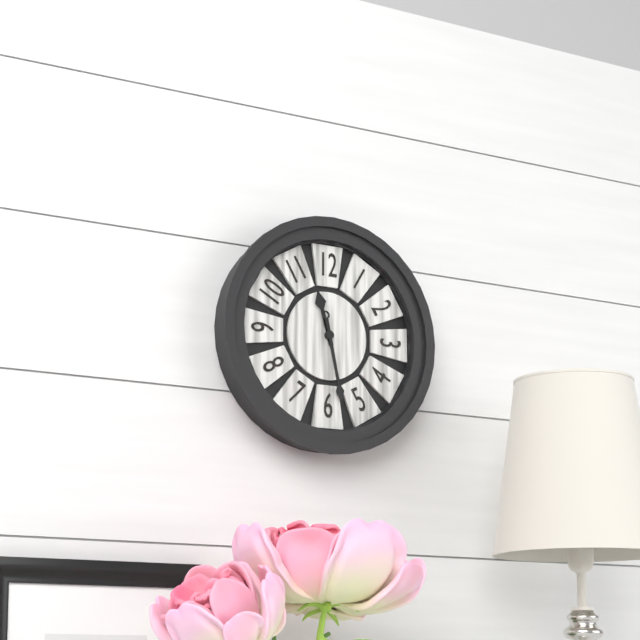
h=11 m=28
